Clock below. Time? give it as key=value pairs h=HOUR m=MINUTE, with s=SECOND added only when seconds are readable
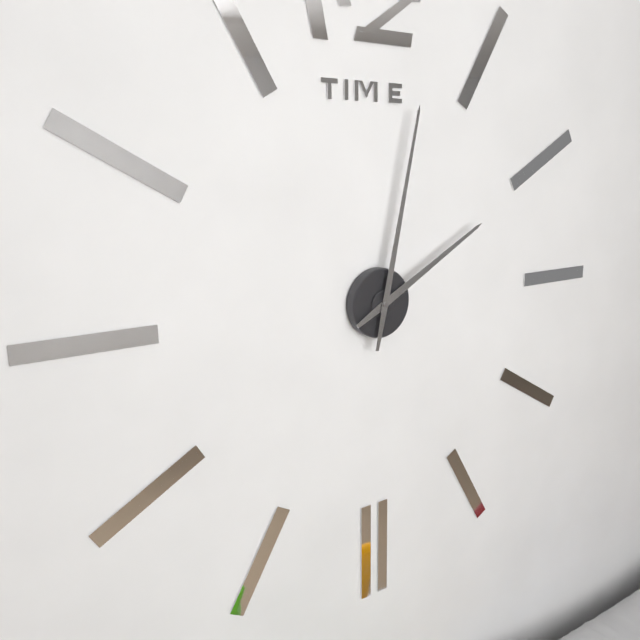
h=2 m=2
